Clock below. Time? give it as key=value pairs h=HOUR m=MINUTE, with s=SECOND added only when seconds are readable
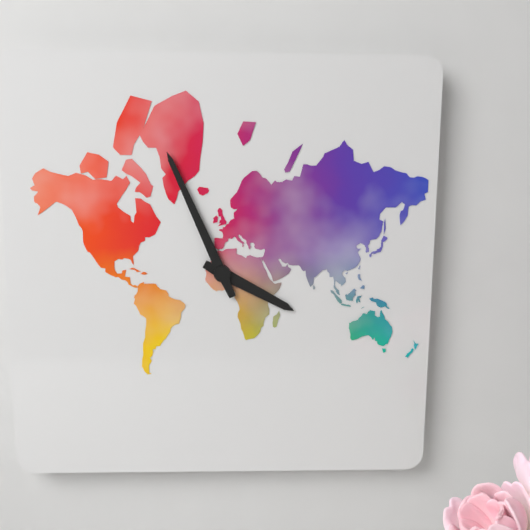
h=3 m=56
